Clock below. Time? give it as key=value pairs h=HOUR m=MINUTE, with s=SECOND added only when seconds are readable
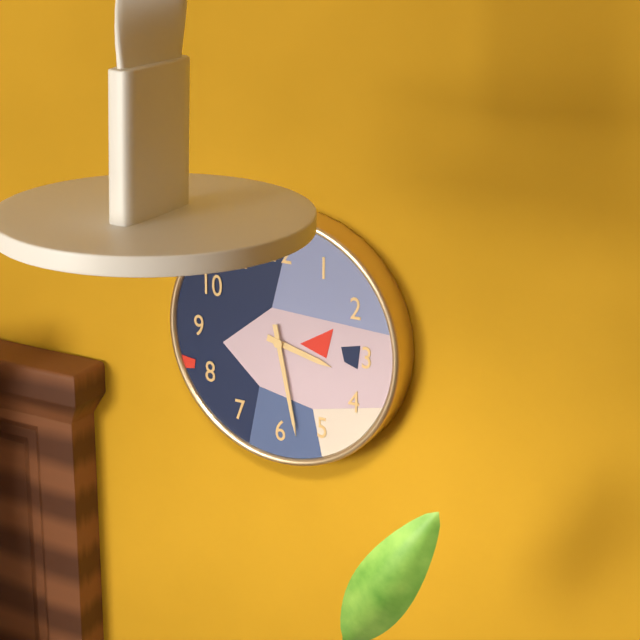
h=3 m=28
